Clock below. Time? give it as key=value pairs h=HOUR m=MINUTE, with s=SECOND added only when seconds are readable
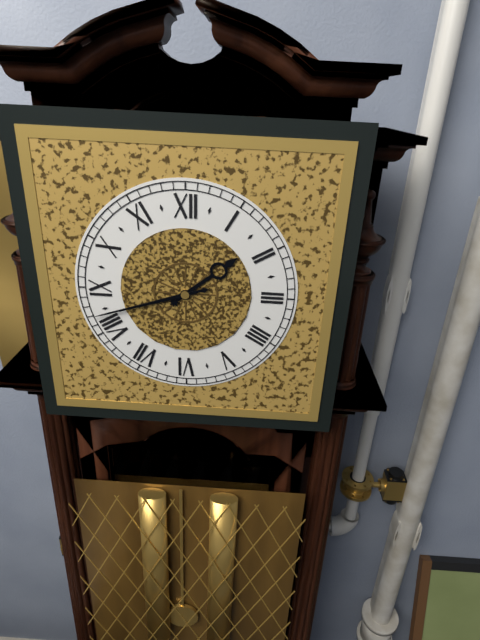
h=1 m=42
